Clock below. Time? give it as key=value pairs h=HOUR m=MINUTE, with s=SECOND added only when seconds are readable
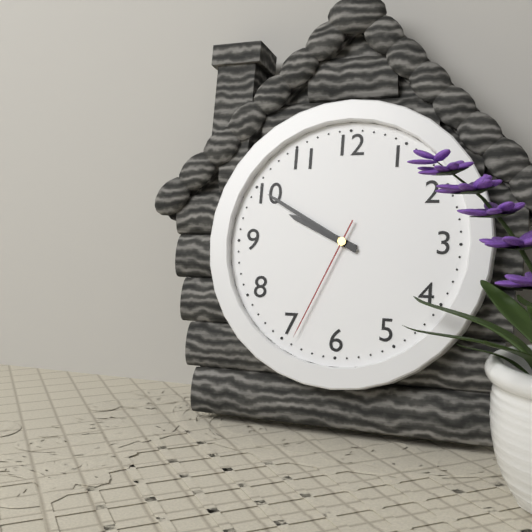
h=9 m=50 s=34
